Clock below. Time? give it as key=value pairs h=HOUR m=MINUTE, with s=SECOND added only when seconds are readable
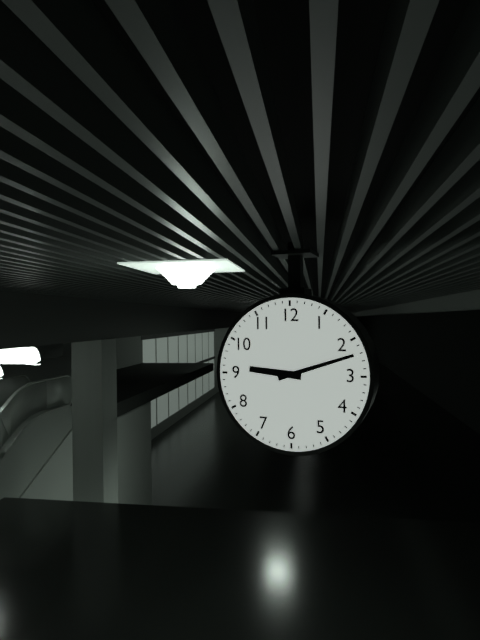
h=9 m=12
